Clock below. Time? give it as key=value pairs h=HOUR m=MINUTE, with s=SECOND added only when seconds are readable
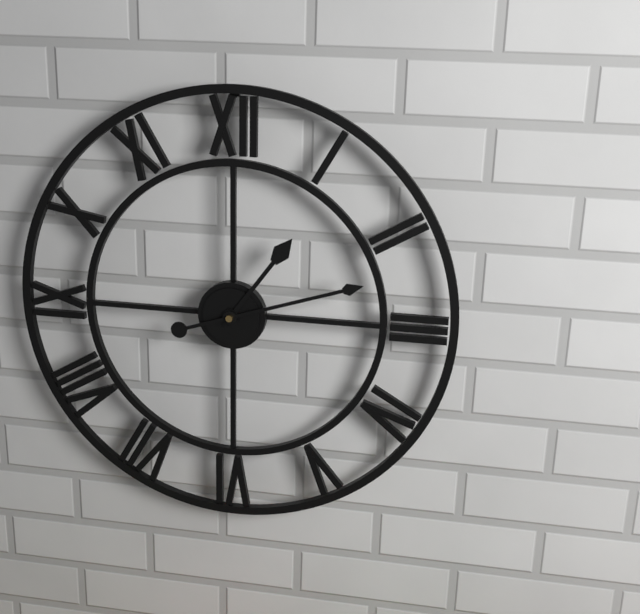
h=1 m=12
